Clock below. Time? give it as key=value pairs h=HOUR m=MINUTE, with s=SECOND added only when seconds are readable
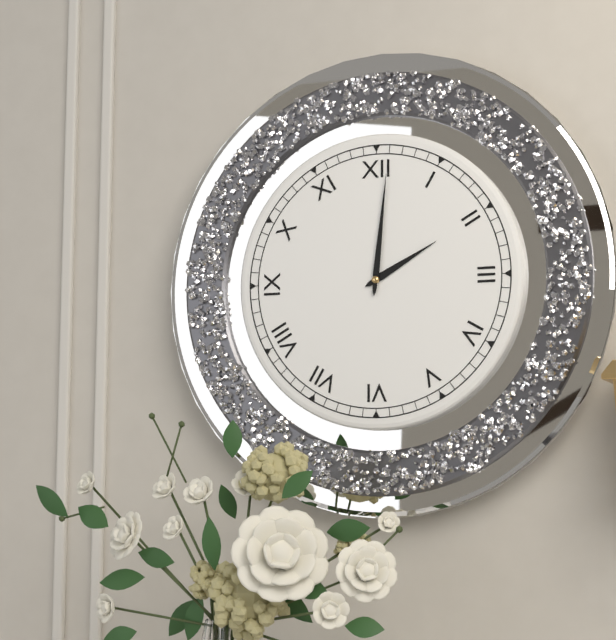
h=2 m=1
